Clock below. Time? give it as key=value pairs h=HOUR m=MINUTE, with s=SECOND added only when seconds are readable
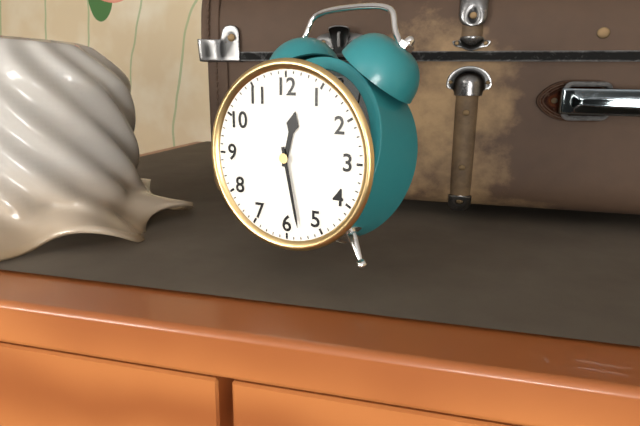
h=12 m=28
